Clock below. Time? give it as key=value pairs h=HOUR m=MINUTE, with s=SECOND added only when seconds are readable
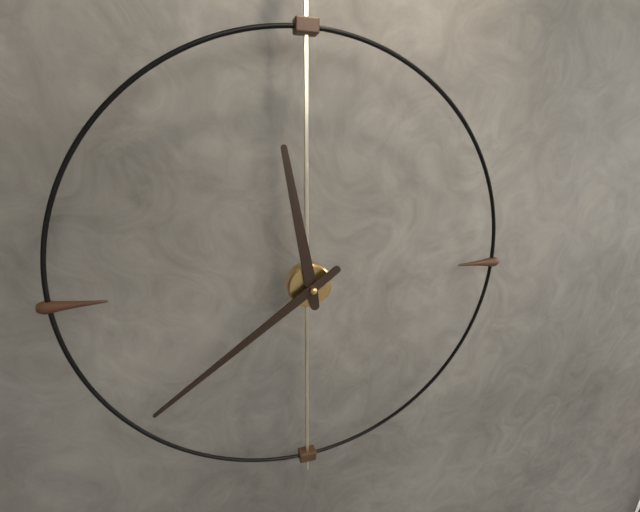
h=11 m=39
